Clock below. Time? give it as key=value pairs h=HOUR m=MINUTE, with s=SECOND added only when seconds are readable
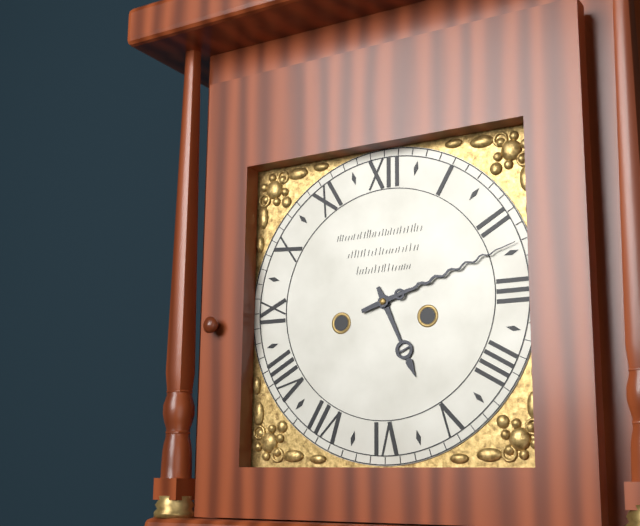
h=5 m=12
